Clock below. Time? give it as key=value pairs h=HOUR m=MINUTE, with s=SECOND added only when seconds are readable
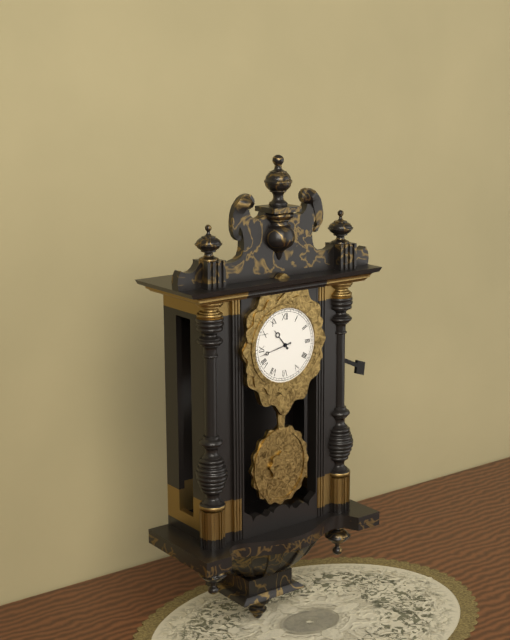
h=10 m=43
